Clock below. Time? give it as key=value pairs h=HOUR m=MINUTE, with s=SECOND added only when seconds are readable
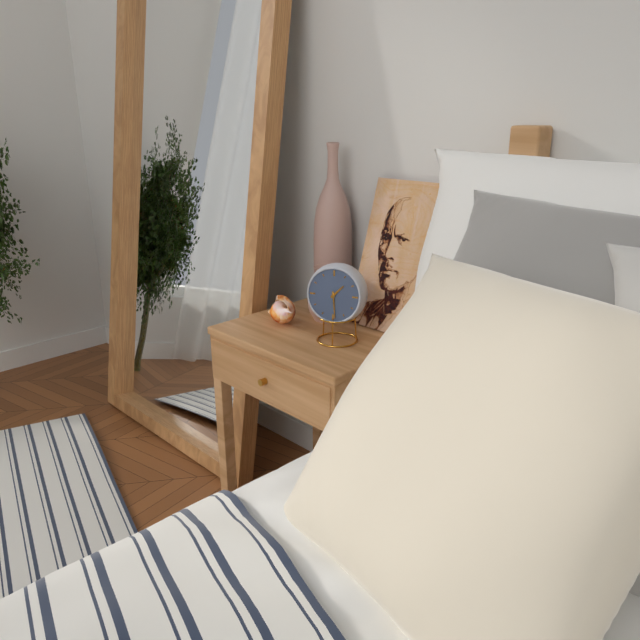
h=1 m=29
